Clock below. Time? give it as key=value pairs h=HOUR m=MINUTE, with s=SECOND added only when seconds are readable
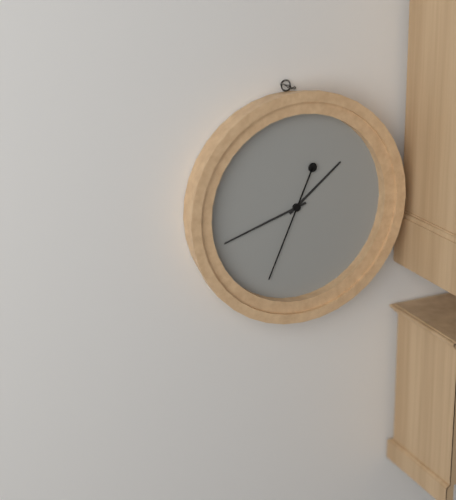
h=1 m=42 s=34
